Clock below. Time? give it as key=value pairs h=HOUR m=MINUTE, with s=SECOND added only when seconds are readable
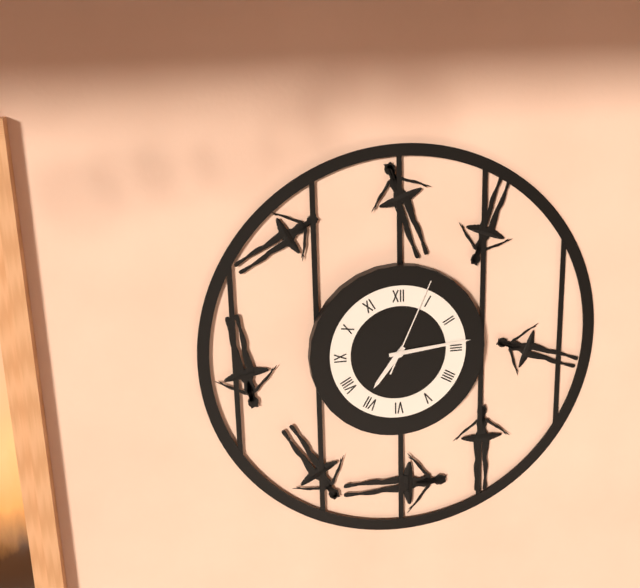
h=7 m=14 s=4
